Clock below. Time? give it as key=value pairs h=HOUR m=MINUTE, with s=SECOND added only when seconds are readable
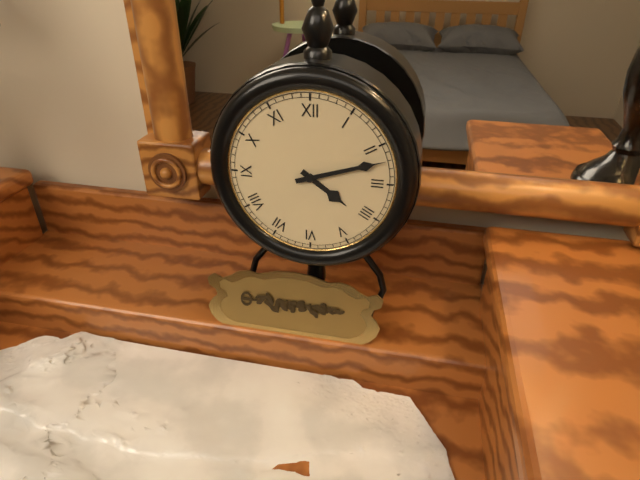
h=4 m=12
